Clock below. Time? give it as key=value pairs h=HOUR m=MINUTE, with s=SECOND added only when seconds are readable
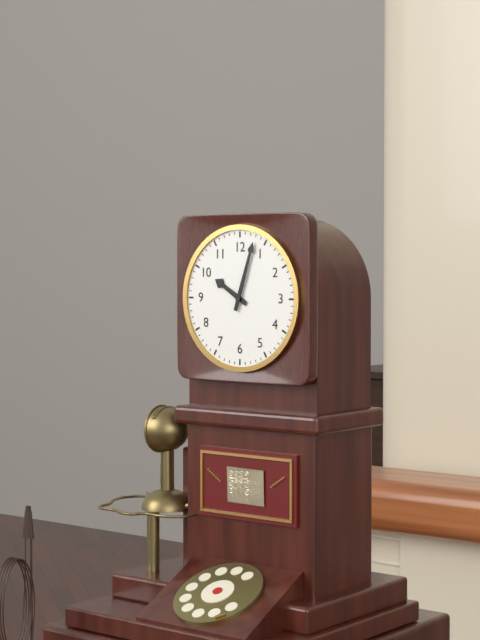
h=10 m=3
